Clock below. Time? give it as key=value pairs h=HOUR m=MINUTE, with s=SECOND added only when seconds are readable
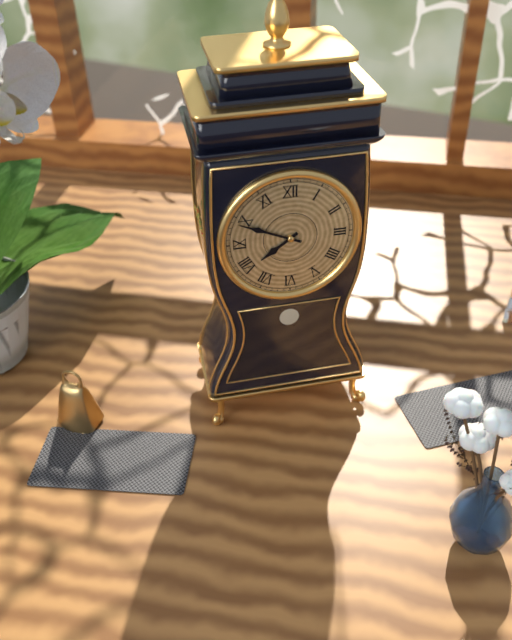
h=7 m=49
